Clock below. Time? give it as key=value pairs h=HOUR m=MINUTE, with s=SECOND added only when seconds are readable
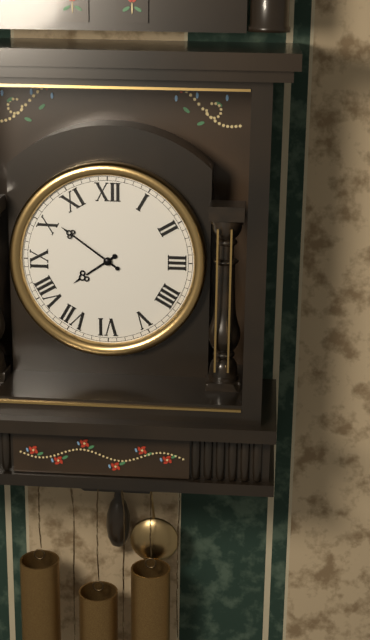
h=7 m=51
